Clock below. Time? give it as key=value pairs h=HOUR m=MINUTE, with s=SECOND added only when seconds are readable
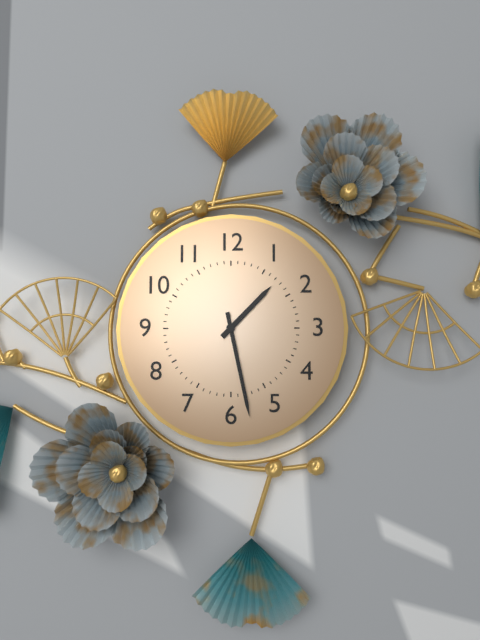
h=1 m=28
